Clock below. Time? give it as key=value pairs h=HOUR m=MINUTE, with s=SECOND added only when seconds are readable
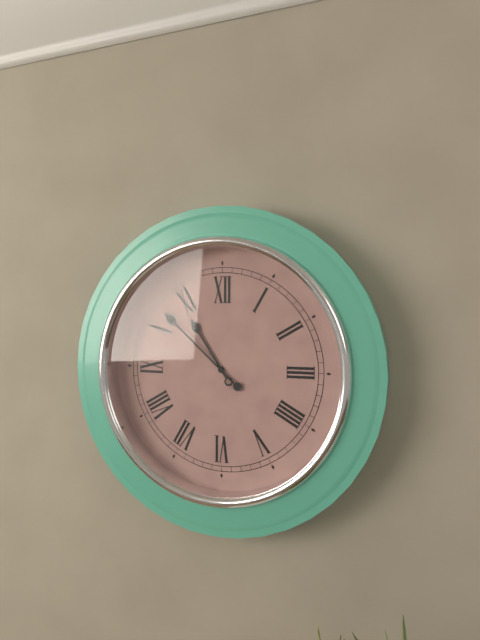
h=10 m=52
